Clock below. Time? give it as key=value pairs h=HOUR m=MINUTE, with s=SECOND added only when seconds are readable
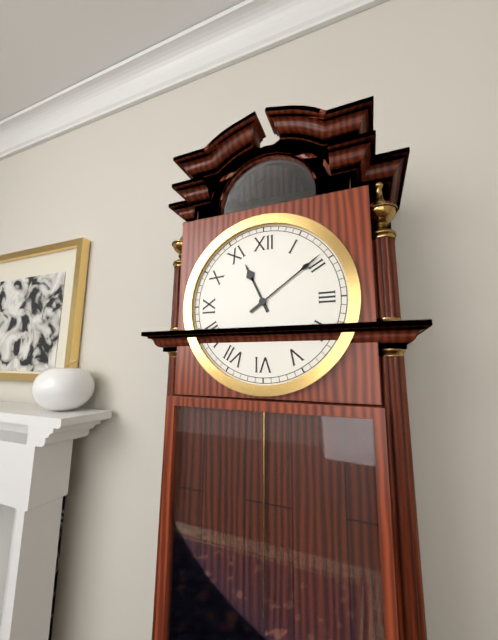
h=11 m=9
